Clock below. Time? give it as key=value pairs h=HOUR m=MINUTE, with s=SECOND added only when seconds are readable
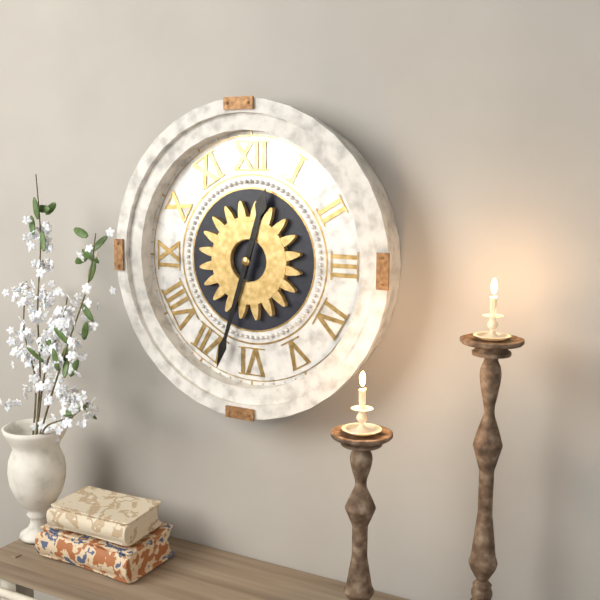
h=12 m=33
